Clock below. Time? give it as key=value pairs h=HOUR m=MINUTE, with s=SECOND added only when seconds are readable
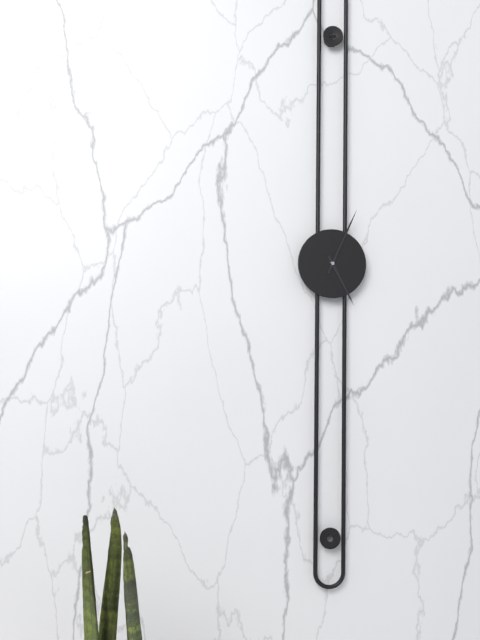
h=5 m=4
